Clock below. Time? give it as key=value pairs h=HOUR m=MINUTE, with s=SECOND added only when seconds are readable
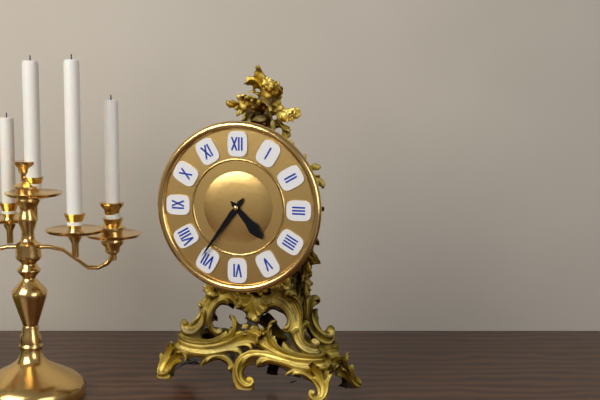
h=4 m=36
